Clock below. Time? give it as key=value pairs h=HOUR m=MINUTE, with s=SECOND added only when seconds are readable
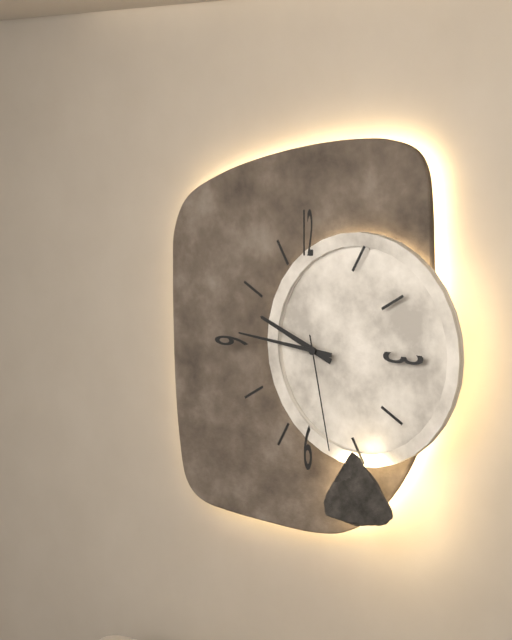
h=9 m=46 s=28
